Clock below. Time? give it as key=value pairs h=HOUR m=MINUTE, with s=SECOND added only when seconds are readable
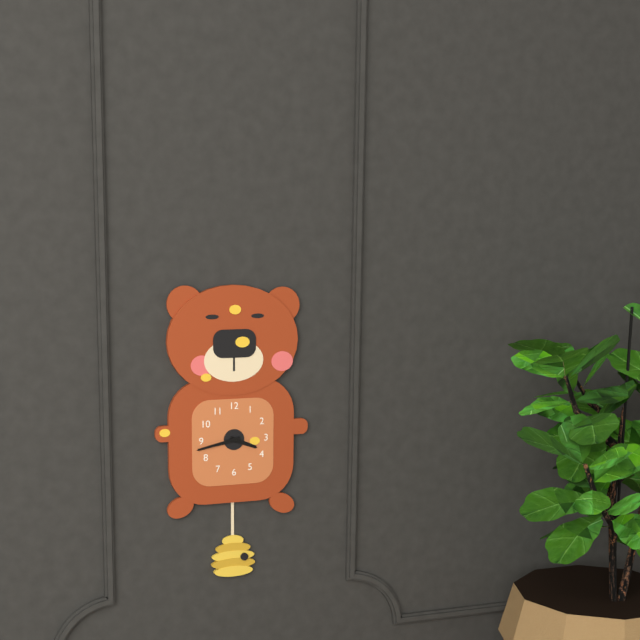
h=3 m=43
